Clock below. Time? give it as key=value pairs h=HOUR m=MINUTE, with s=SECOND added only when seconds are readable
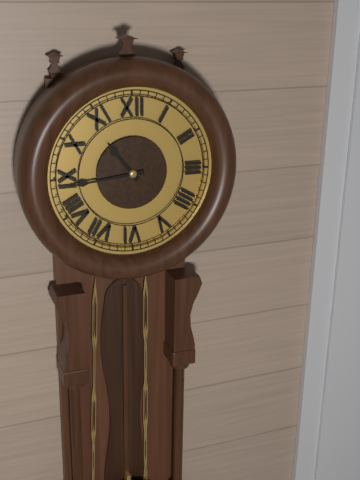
h=10 m=44
